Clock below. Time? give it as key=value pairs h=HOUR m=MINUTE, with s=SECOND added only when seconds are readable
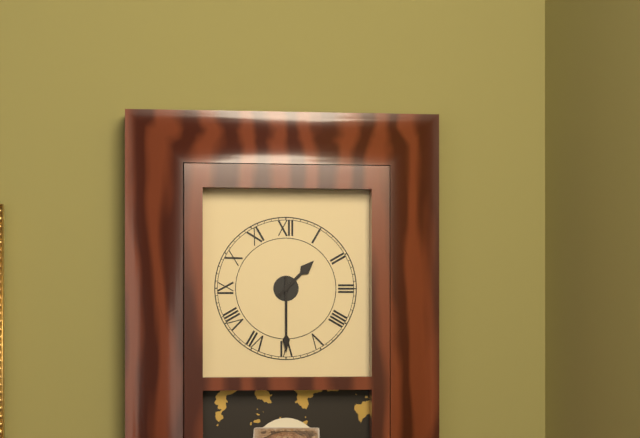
h=1 m=30
